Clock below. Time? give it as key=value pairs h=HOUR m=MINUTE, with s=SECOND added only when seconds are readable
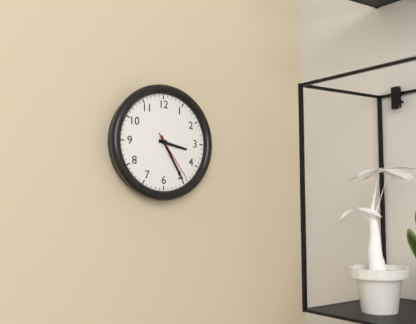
h=3 m=25 s=24
